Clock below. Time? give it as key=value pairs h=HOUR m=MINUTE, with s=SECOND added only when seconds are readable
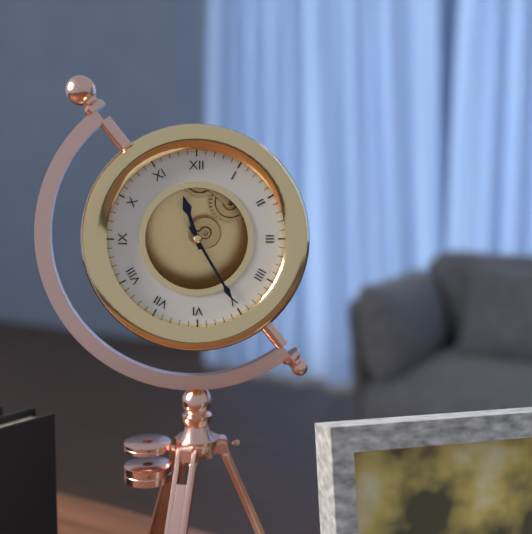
h=11 m=25
